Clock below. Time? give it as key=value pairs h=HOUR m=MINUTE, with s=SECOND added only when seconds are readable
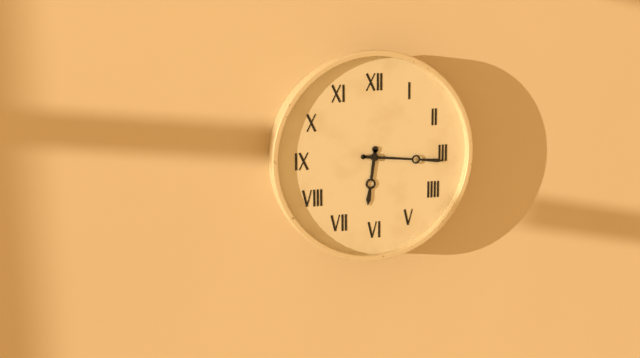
h=6 m=16
